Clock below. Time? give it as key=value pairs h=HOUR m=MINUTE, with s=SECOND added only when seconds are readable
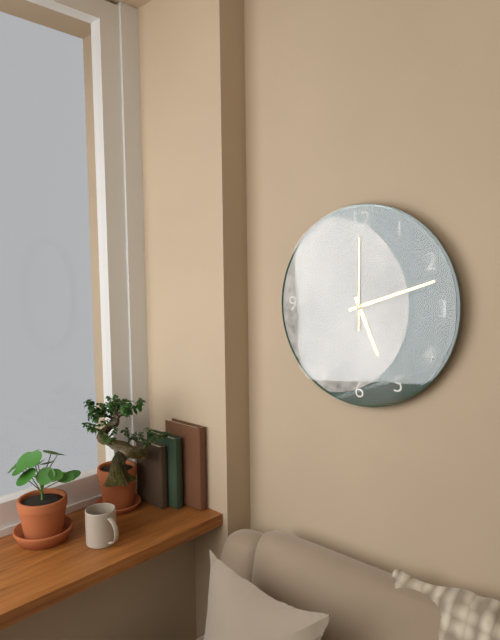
h=5 m=12 s=0
